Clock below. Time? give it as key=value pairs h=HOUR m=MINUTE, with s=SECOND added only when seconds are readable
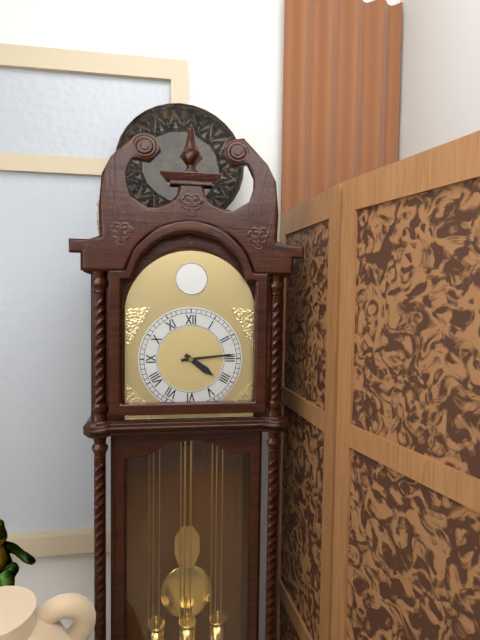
h=4 m=14
